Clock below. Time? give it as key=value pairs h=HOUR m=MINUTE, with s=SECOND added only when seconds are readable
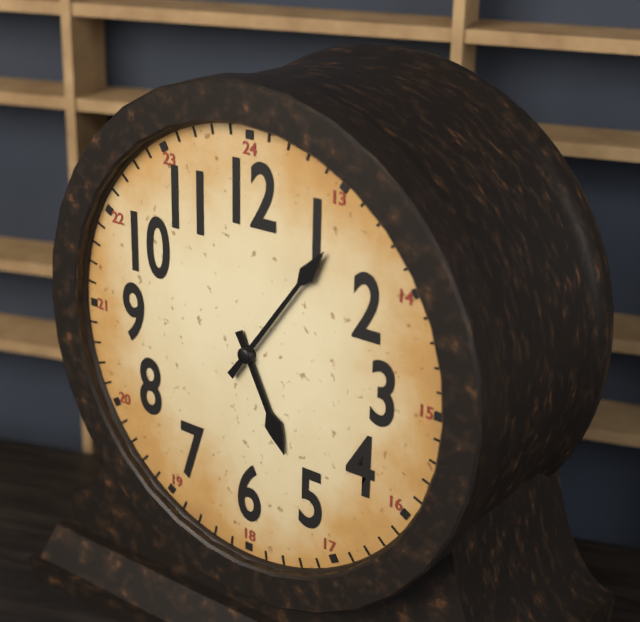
h=5 m=6
